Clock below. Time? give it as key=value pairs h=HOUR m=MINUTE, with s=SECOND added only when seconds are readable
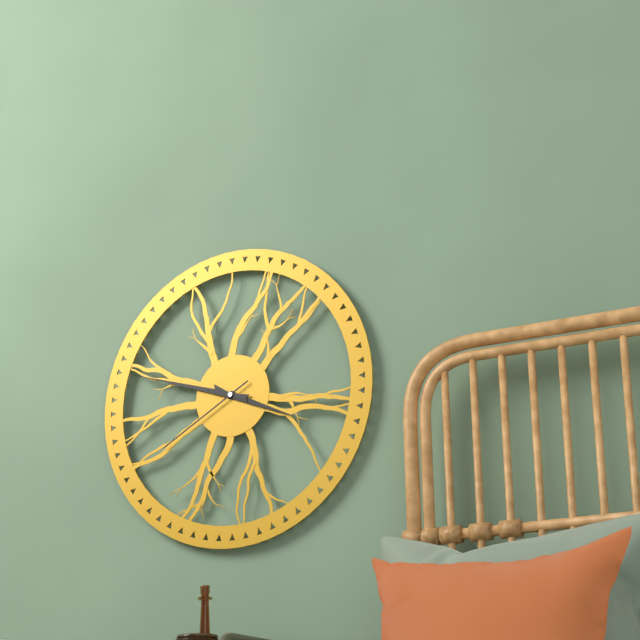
h=3 m=48 s=40
